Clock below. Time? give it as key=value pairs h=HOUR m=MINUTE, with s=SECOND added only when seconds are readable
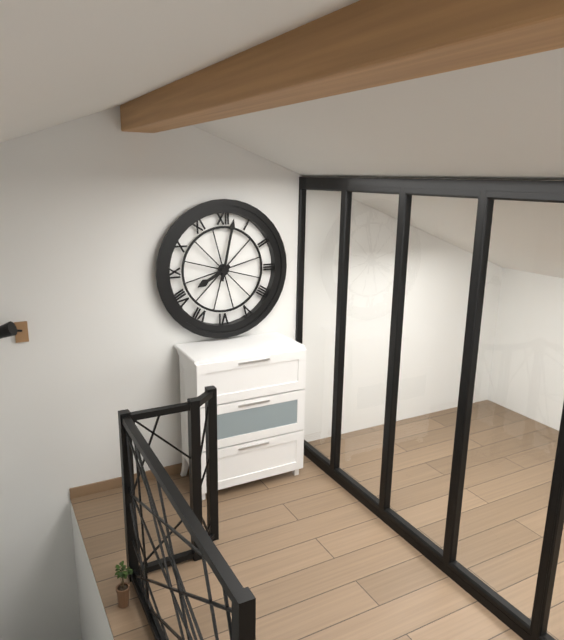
h=8 m=2
